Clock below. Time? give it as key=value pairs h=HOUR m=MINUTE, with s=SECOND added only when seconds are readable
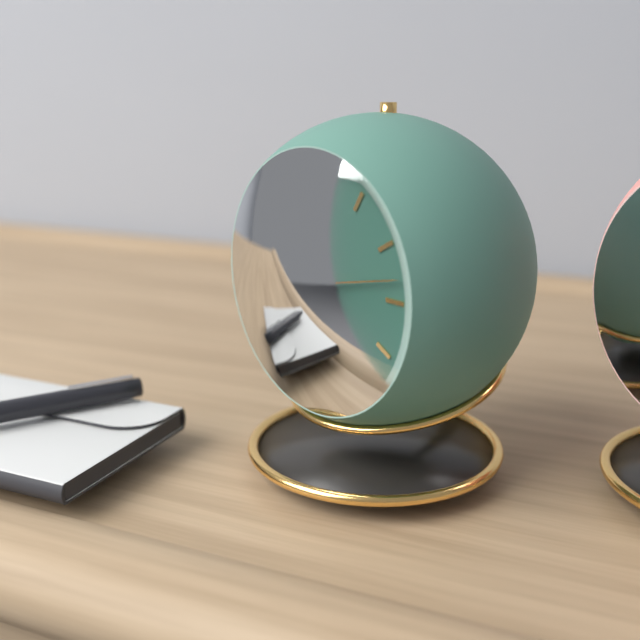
h=11 m=45 s=13
